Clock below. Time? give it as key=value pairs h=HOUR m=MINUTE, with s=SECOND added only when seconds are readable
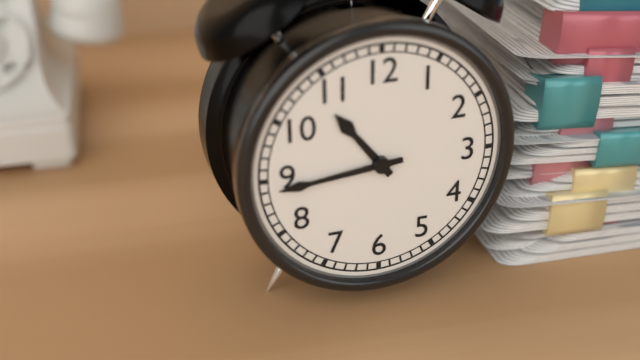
h=10 m=44
